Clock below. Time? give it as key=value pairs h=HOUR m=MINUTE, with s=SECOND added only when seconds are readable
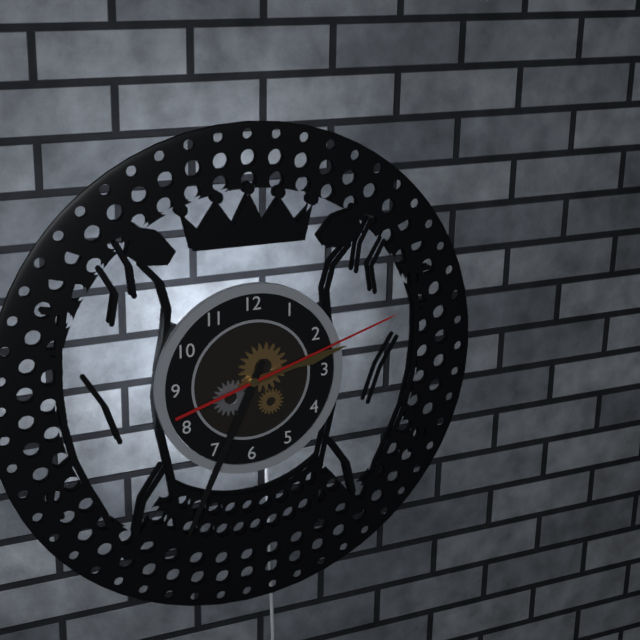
h=2 m=34 s=12
